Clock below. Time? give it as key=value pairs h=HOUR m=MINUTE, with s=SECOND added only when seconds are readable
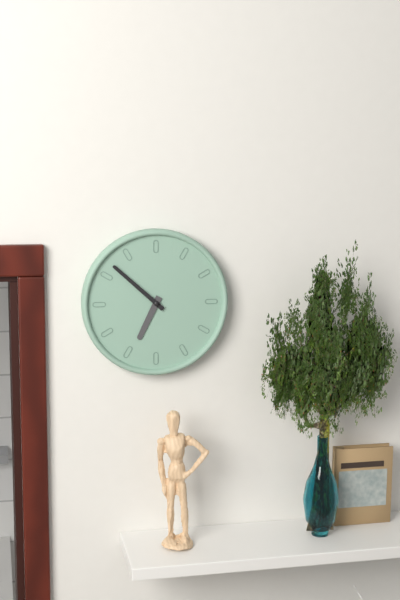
h=6 m=52
